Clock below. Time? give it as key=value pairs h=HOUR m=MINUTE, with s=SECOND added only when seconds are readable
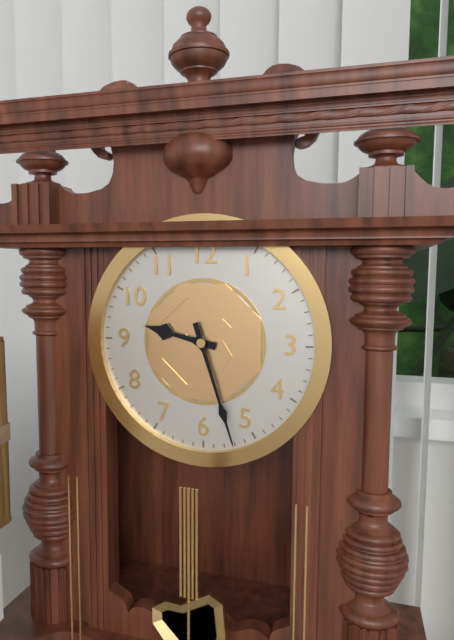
h=9 m=27
